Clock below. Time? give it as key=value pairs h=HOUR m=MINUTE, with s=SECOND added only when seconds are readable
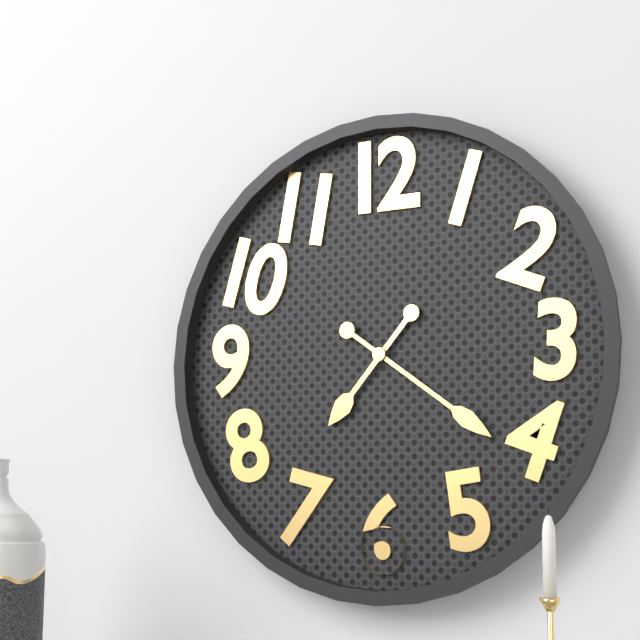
h=7 m=21
